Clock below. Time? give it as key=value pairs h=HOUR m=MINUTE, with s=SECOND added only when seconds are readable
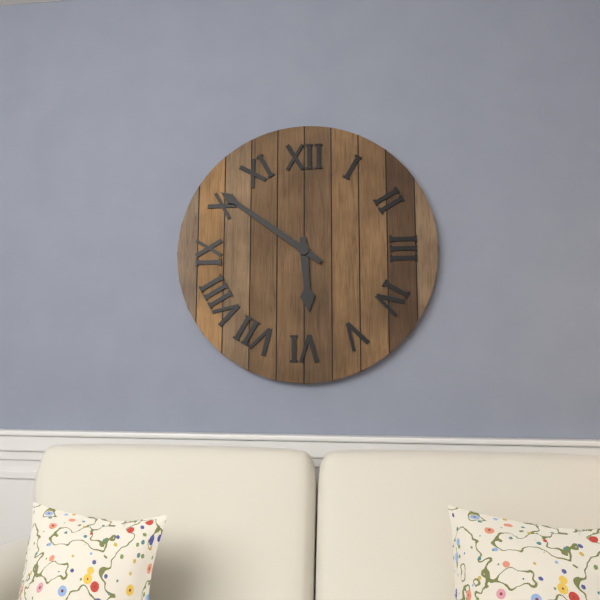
h=5 m=51
